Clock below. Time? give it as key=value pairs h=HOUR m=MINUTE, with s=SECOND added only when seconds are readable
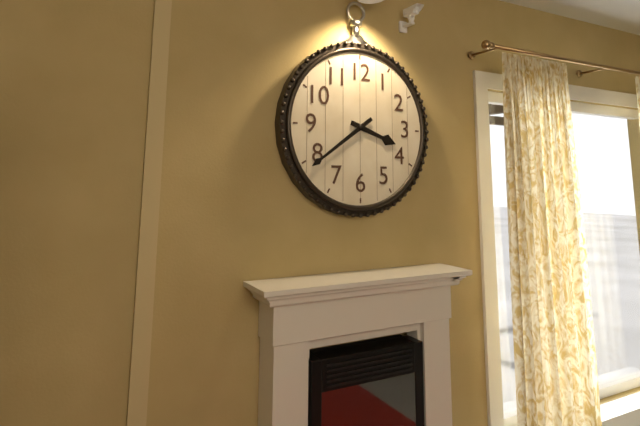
h=3 m=39
